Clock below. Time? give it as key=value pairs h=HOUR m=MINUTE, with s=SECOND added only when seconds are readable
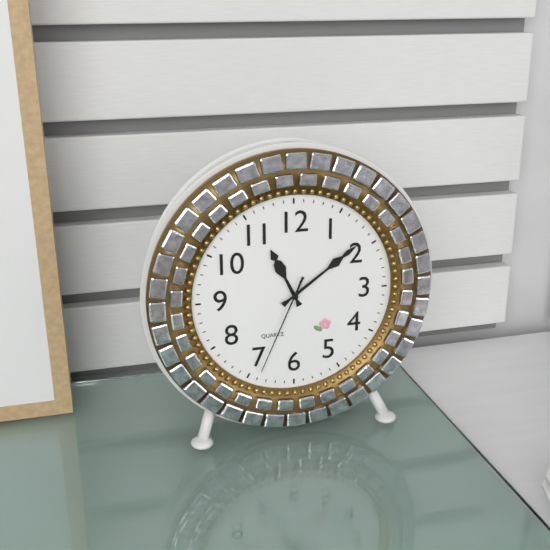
h=11 m=9 s=34
